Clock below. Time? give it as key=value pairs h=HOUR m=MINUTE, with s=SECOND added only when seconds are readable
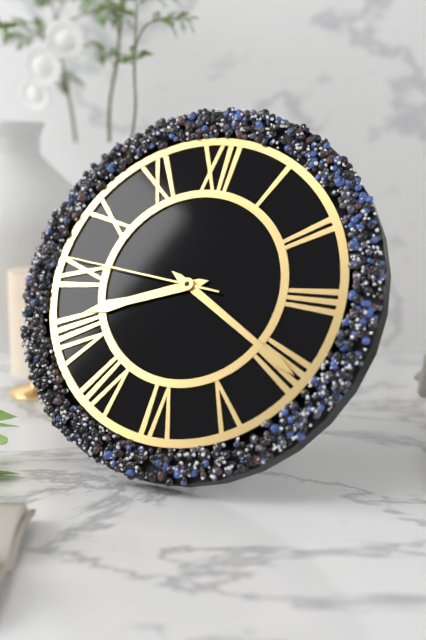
h=8 m=20 s=46
